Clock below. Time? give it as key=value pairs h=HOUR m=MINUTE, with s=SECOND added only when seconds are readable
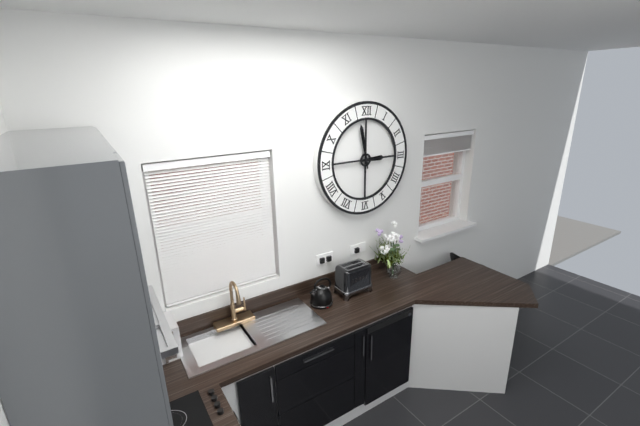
h=2 m=58
